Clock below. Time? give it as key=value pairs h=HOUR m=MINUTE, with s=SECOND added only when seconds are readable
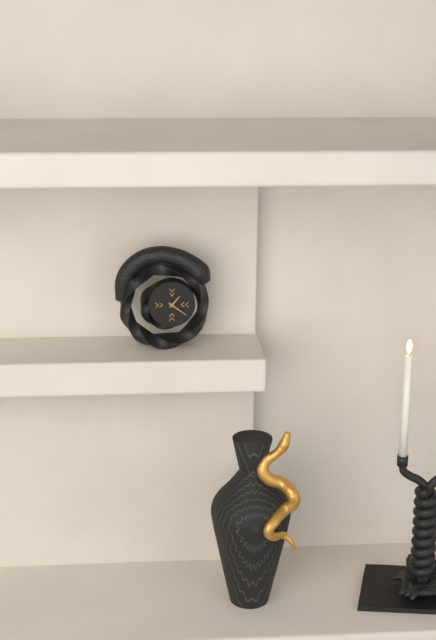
h=1 m=21
